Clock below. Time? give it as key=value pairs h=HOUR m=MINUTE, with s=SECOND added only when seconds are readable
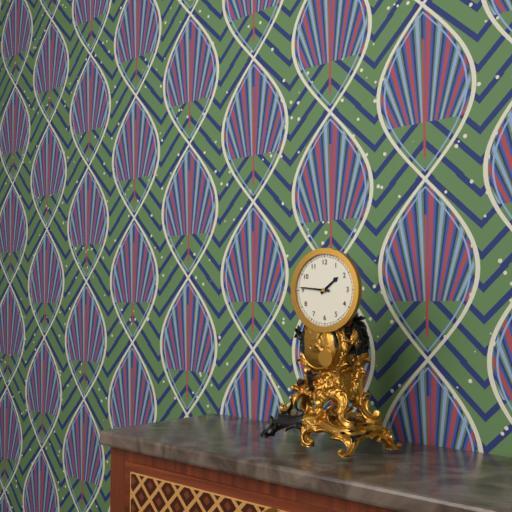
h=1 m=46
